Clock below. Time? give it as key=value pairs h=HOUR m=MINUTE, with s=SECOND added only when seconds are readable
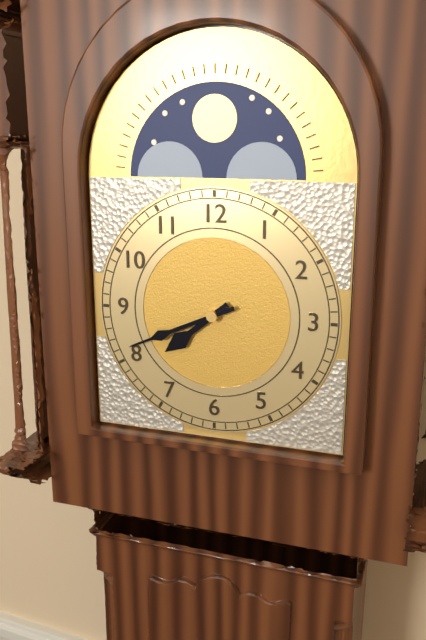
h=7 m=41
